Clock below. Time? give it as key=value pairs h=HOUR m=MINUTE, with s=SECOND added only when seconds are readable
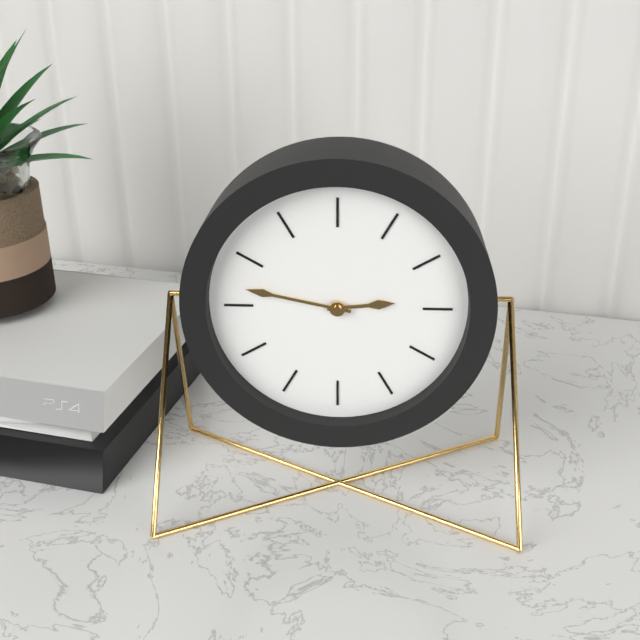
h=2 m=47
